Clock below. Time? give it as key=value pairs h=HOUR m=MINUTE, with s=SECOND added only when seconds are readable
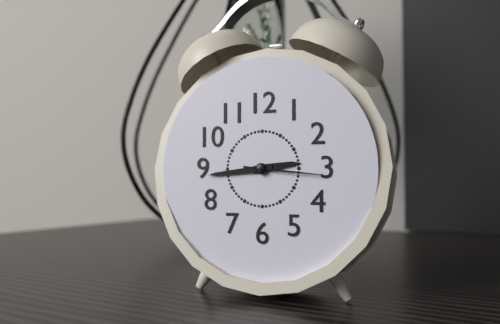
h=2 m=44 s=16
